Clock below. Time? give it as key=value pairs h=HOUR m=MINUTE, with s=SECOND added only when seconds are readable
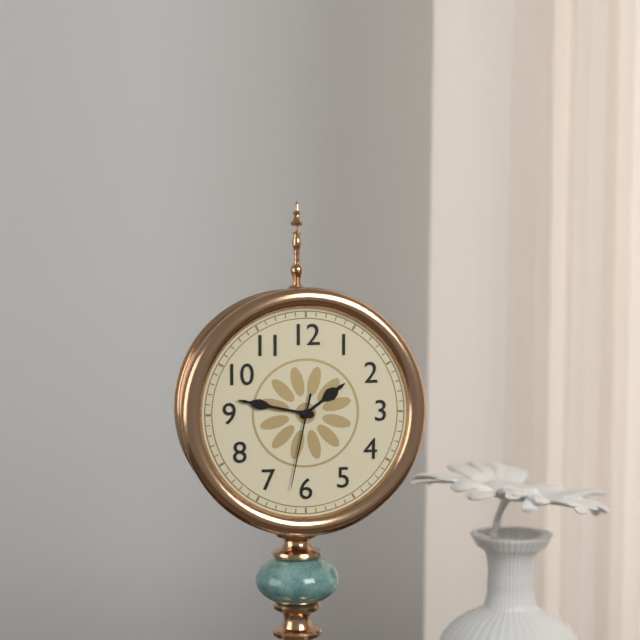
h=1 m=47 s=32
